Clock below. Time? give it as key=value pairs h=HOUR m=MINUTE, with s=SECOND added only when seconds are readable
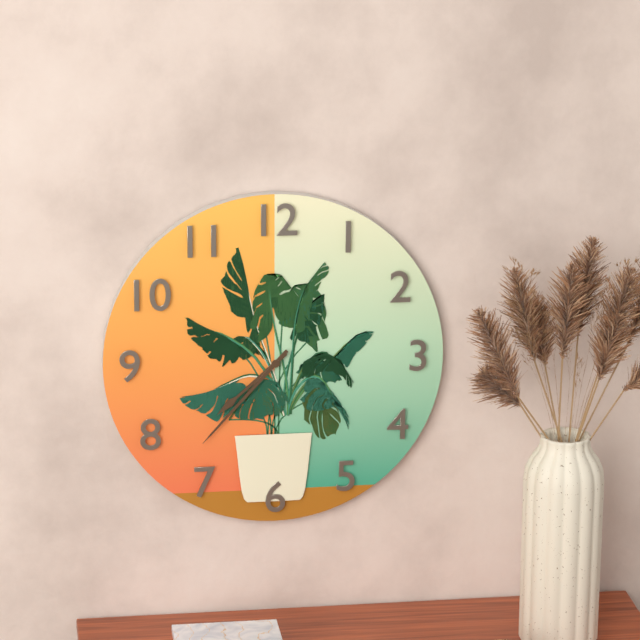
h=7 m=37
